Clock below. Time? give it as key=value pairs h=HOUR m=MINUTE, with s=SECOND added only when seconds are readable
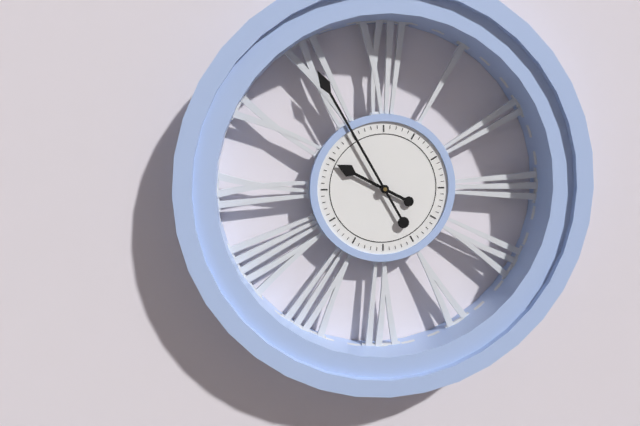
h=9 m=55
